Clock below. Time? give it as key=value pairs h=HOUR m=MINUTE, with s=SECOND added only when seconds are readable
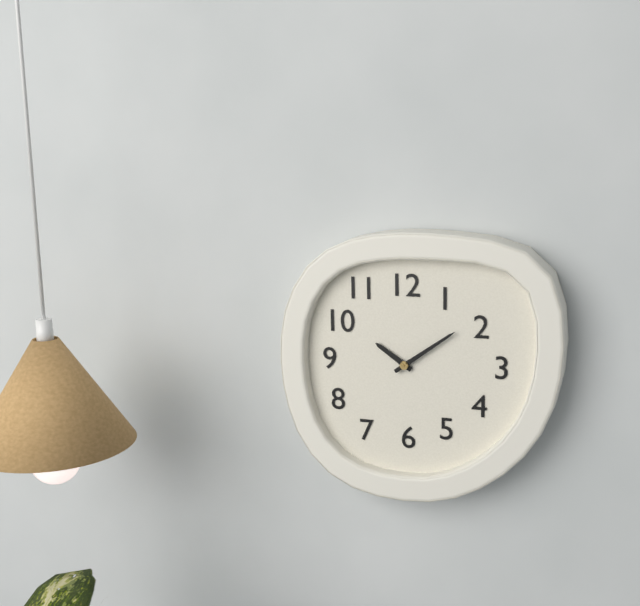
h=10 m=9
